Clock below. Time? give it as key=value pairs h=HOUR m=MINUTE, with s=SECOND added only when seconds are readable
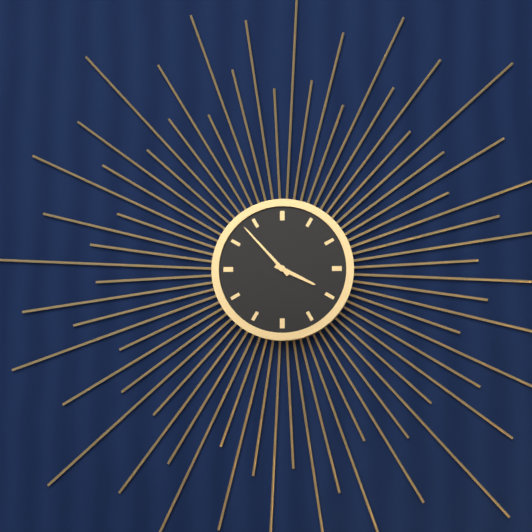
h=3 m=53
